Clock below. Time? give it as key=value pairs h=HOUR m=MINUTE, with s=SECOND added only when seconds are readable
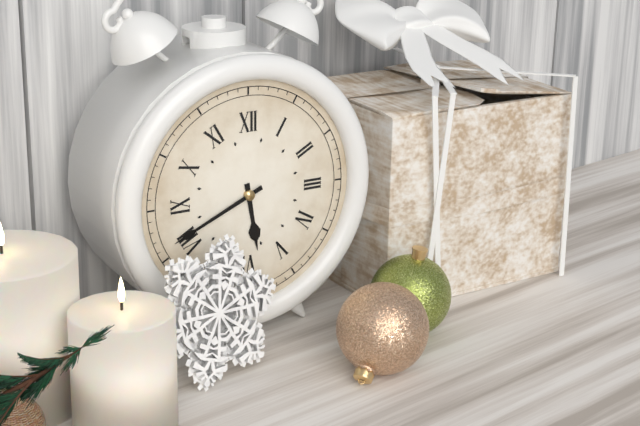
h=5 m=41
